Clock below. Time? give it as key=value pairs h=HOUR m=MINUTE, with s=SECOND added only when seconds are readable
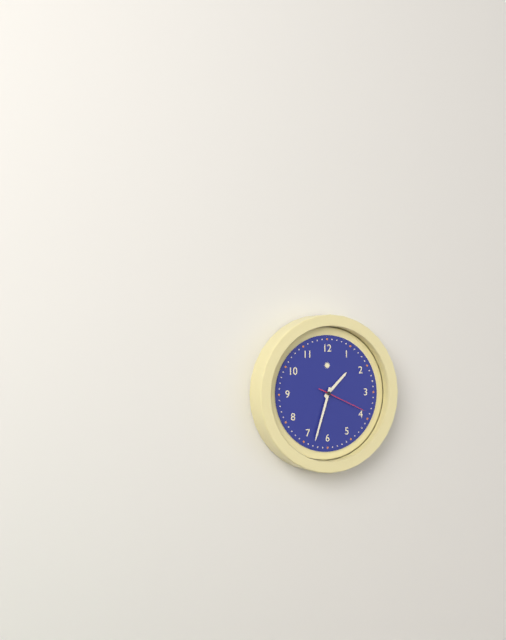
h=1 m=33 s=19
